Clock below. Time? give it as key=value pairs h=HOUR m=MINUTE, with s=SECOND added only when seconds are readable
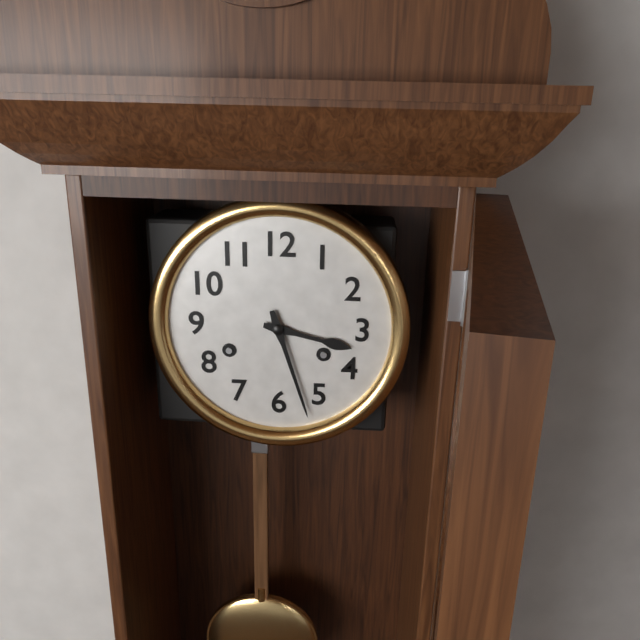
h=3 m=27
